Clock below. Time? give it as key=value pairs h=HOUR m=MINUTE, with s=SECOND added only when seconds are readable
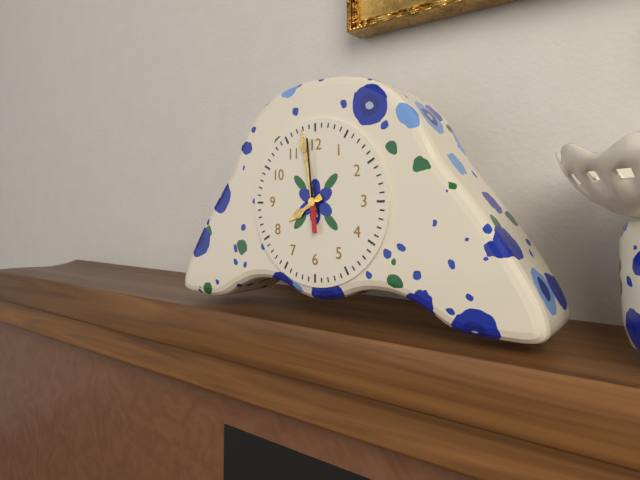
h=7 m=58 s=59
